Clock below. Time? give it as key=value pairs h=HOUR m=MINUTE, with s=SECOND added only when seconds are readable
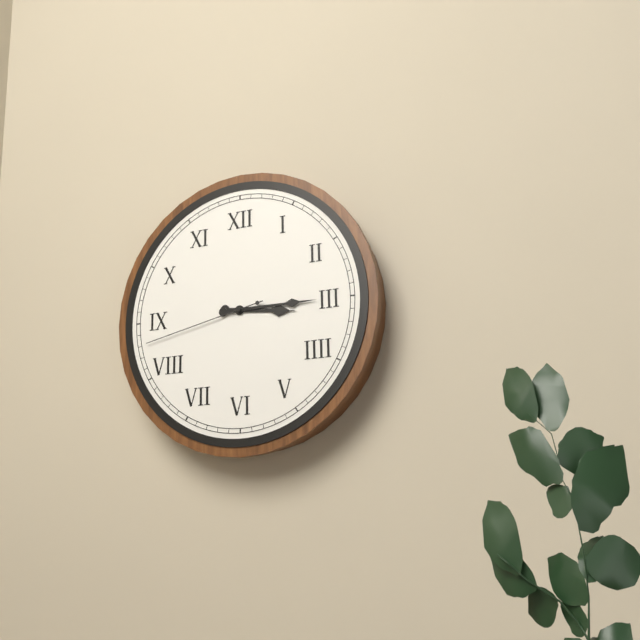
h=3 m=15 s=43
